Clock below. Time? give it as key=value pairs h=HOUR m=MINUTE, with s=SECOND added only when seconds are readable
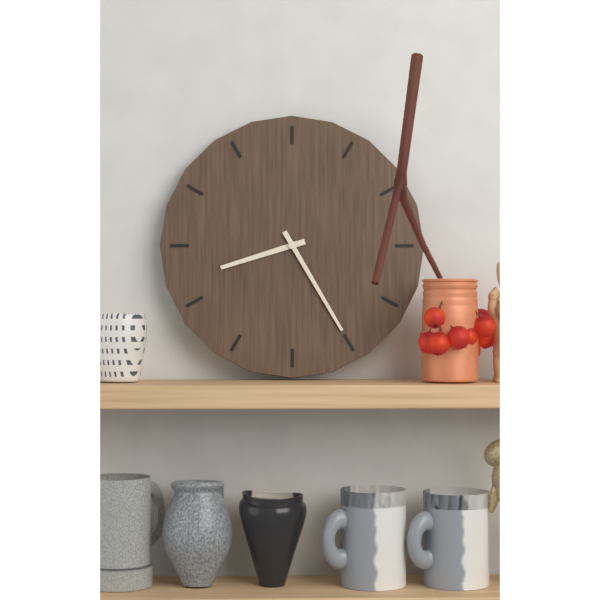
h=8 m=25
